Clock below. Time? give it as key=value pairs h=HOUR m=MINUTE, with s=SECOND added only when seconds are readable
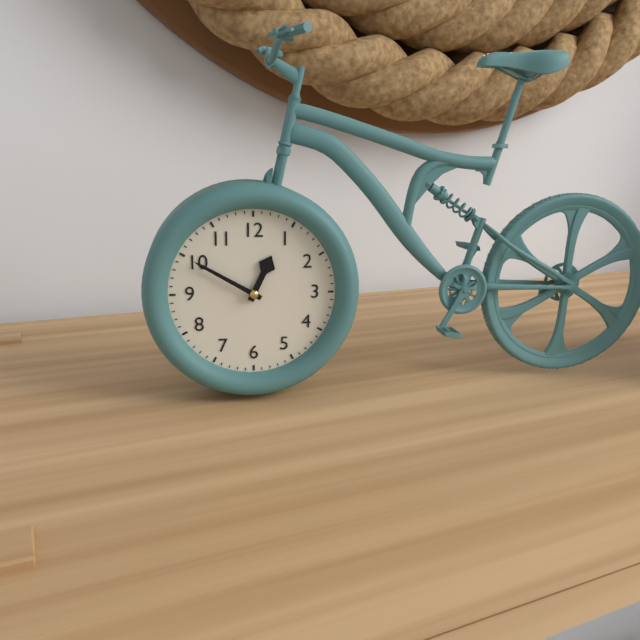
h=12 m=50
